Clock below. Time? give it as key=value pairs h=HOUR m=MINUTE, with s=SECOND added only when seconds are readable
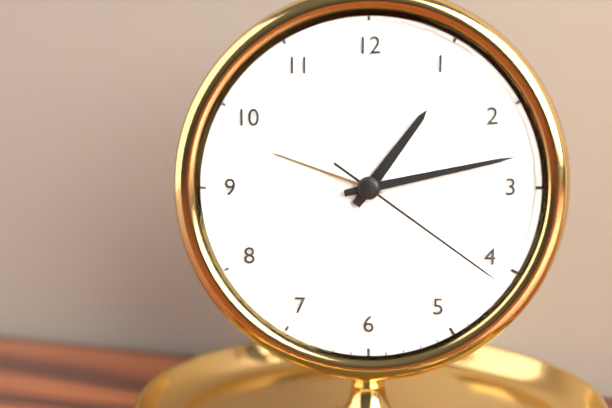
h=1 m=13 s=21
